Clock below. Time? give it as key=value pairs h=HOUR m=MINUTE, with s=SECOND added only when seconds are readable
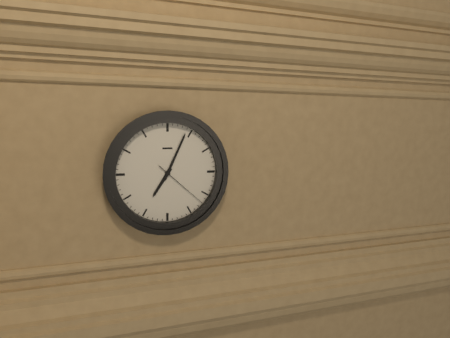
h=7 m=4 s=22
